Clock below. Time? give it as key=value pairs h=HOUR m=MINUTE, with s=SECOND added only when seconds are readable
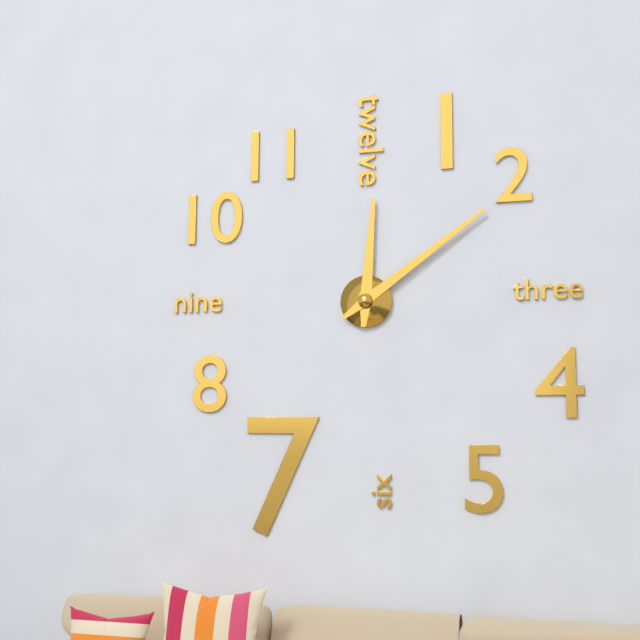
h=12 m=9
